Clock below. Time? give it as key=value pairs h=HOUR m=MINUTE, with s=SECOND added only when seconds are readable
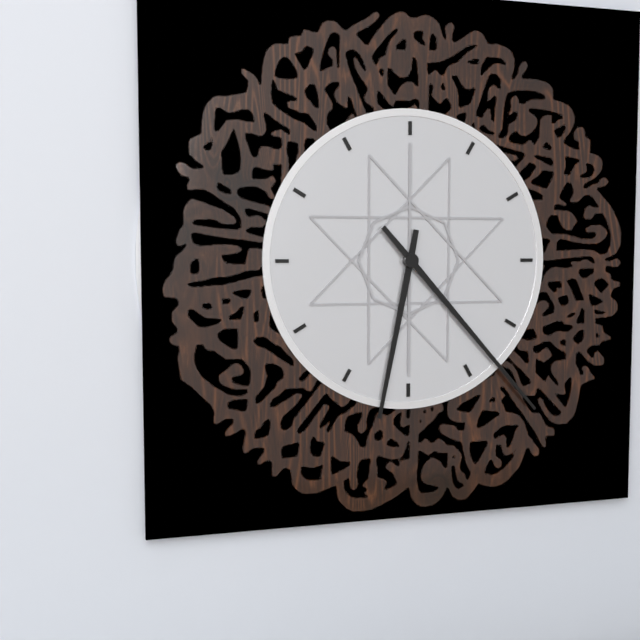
h=6 m=23
